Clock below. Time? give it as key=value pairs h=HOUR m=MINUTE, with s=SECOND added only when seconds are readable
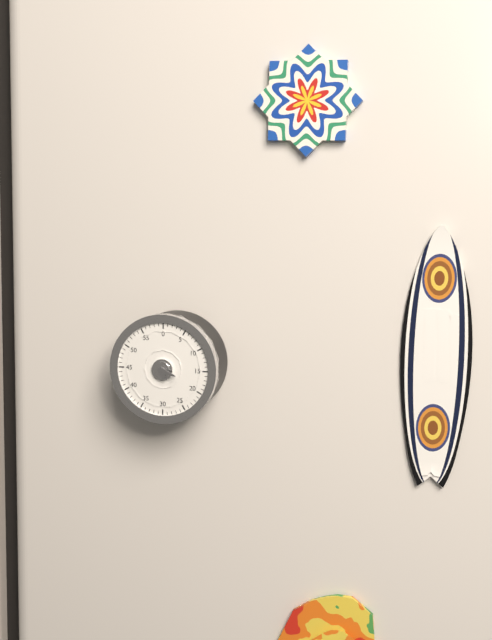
h=5 m=18
